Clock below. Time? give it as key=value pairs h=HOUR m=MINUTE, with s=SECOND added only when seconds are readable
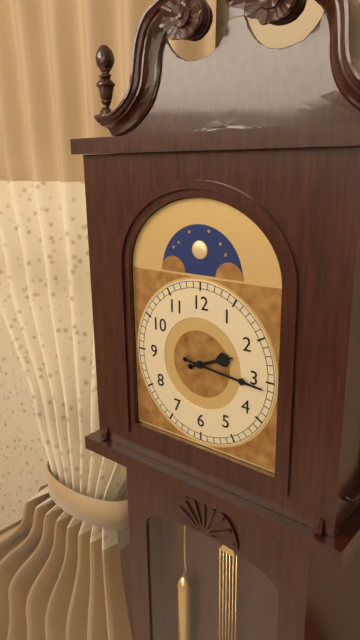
h=2 m=16
